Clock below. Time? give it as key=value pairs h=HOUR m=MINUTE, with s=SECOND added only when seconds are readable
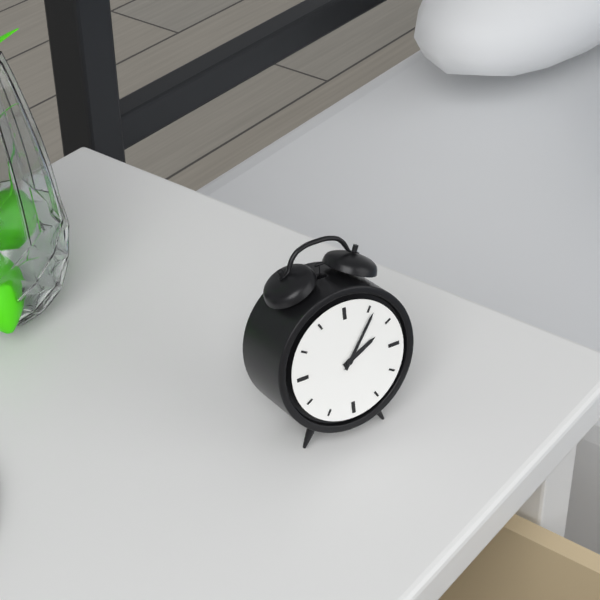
h=2 m=6
